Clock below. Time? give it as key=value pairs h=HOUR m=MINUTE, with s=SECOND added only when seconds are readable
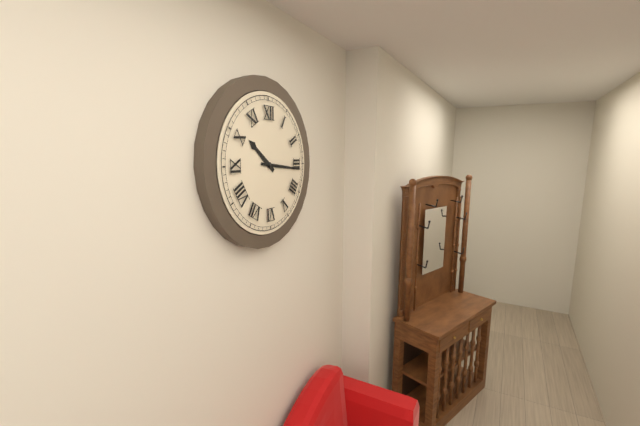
h=10 m=16
